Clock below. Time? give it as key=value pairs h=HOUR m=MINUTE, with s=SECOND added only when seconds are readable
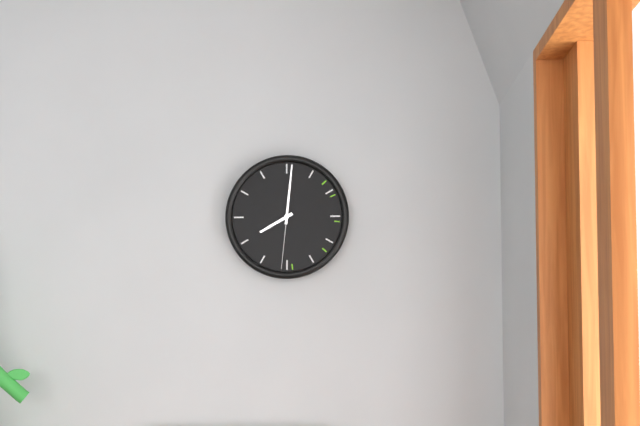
h=8 m=1 s=31
